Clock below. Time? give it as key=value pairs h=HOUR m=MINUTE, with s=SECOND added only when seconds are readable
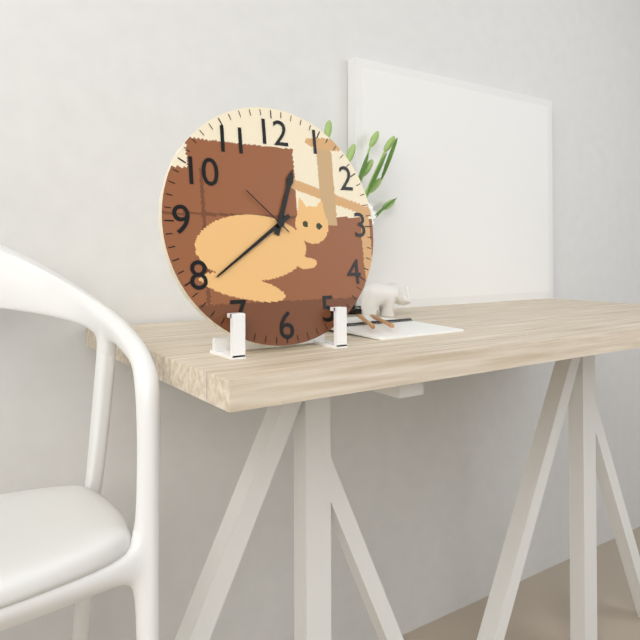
h=12 m=39 s=52
